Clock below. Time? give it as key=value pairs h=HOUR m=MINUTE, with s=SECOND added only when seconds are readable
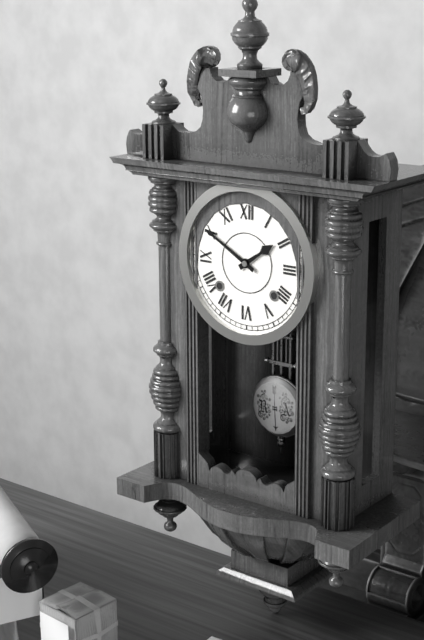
h=1 m=50
